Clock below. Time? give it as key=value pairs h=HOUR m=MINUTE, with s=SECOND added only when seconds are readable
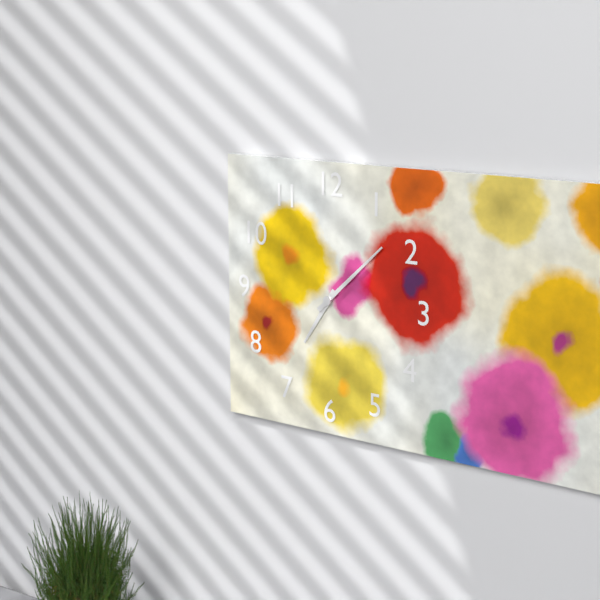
h=7 m=8
